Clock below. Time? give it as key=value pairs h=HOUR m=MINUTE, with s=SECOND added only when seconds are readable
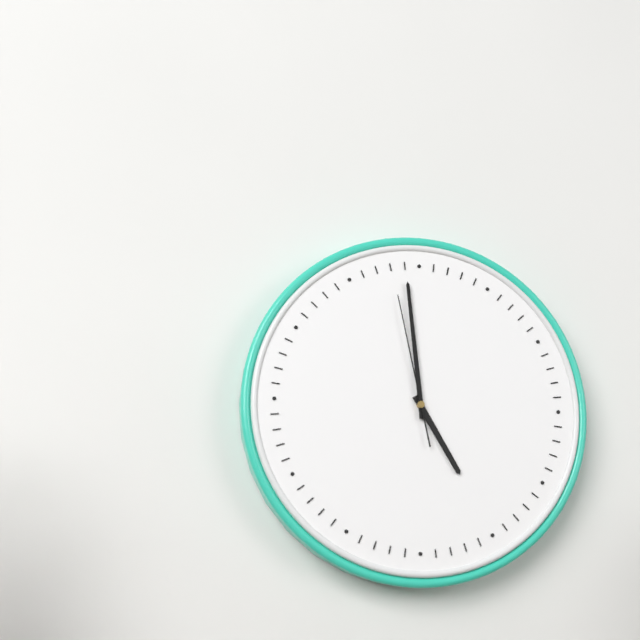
h=4 m=59 s=58
